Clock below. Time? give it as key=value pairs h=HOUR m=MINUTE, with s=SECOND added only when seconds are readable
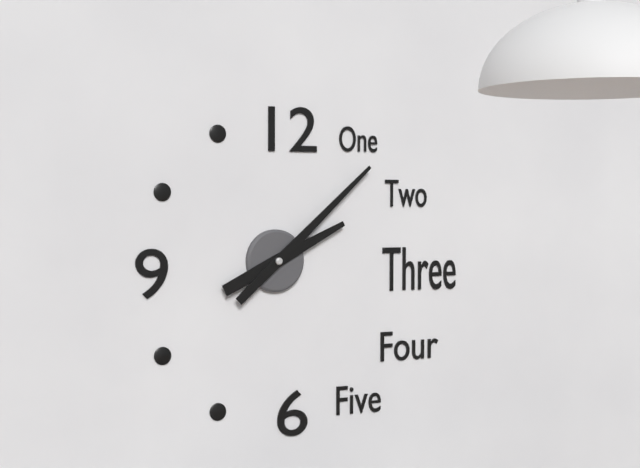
h=2 m=8
